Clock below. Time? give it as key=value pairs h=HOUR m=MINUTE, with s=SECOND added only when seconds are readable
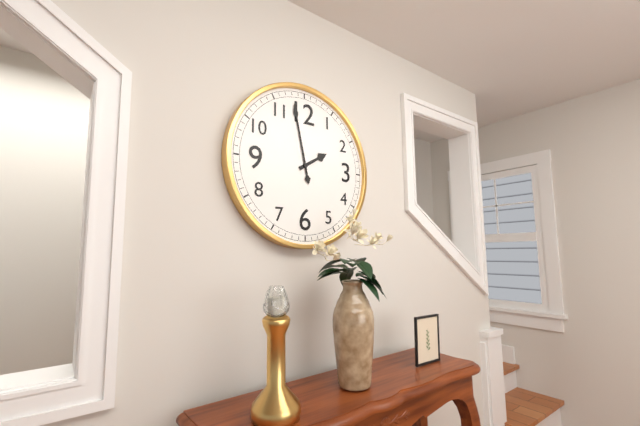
h=1 m=58
